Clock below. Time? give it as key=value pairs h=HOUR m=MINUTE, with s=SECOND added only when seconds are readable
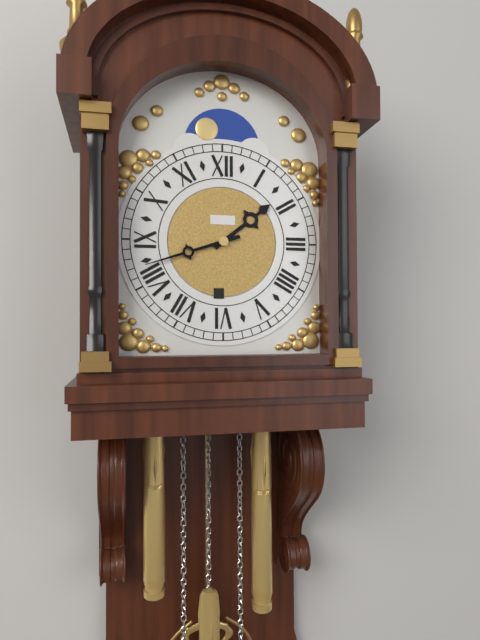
h=1 m=42
